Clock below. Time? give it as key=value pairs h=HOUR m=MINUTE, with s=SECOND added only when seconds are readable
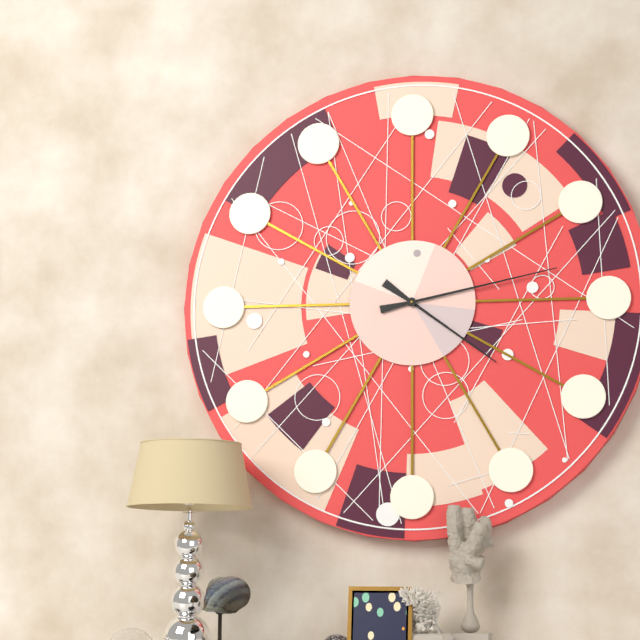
h=4 m=13
